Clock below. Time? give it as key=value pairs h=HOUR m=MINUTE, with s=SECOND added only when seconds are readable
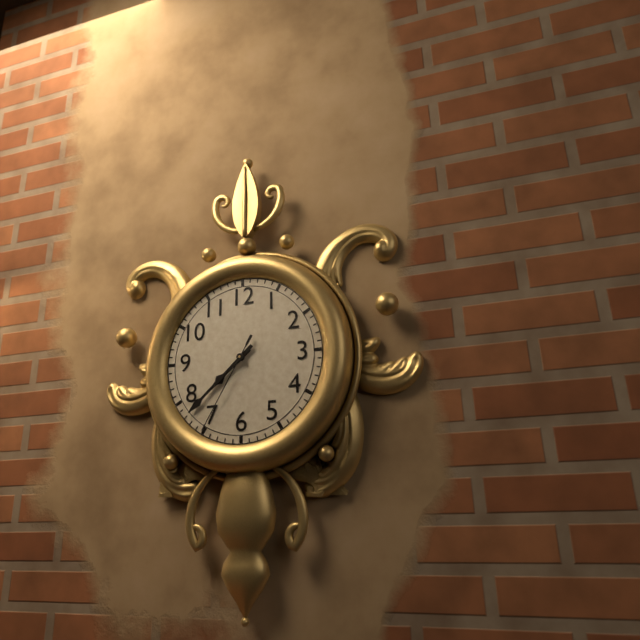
h=7 m=38 s=35
